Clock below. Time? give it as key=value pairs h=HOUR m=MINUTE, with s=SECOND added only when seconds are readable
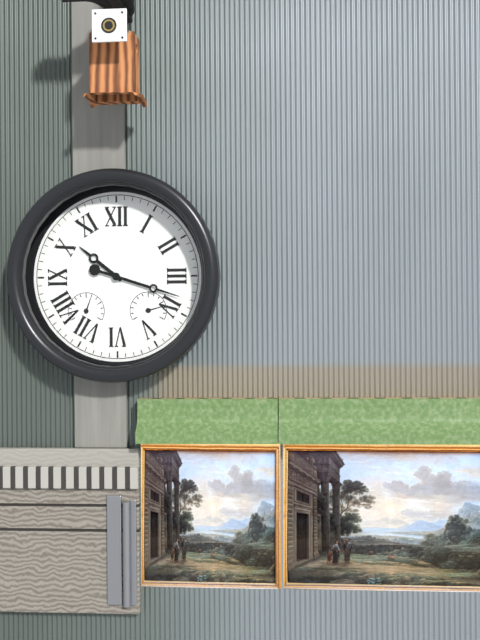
h=10 m=18
